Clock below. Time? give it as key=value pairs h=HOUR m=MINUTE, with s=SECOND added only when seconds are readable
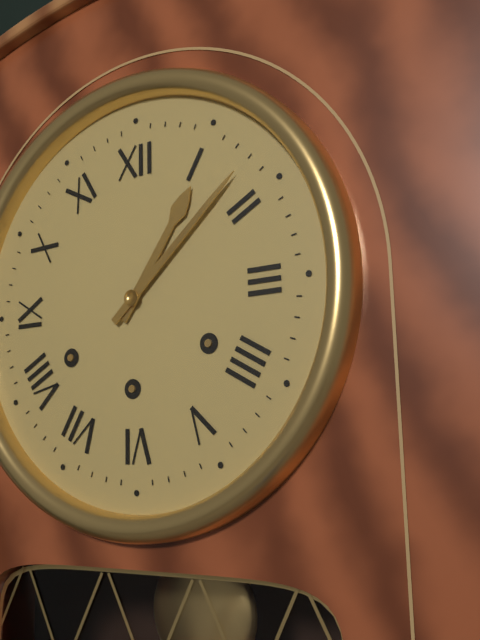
h=1 m=8
